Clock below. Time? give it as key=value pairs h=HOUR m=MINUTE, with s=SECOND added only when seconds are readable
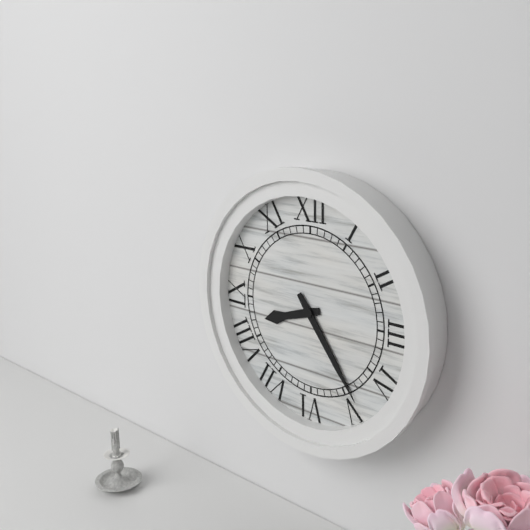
h=8 m=24
